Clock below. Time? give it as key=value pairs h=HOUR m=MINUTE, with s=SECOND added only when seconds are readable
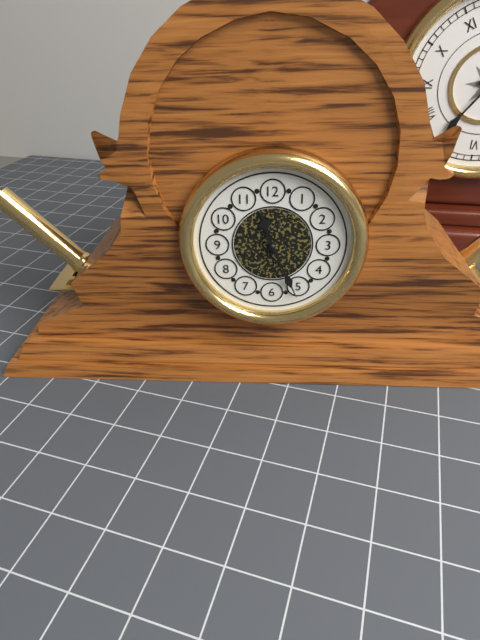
h=11 m=26
